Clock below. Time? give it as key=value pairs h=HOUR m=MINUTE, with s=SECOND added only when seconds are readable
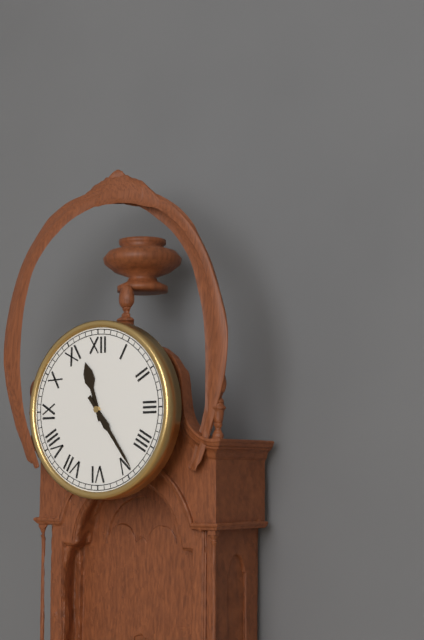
h=11 m=24
